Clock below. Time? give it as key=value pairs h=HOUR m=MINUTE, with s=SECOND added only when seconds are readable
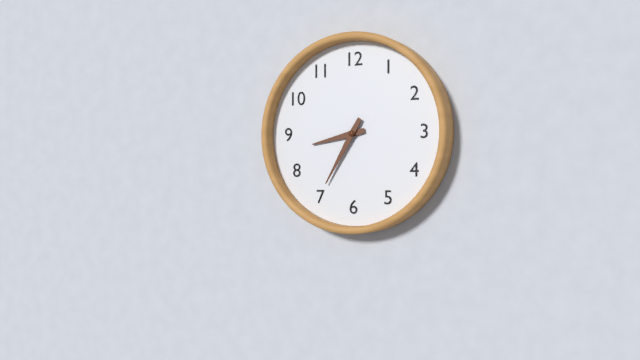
h=8 m=35
